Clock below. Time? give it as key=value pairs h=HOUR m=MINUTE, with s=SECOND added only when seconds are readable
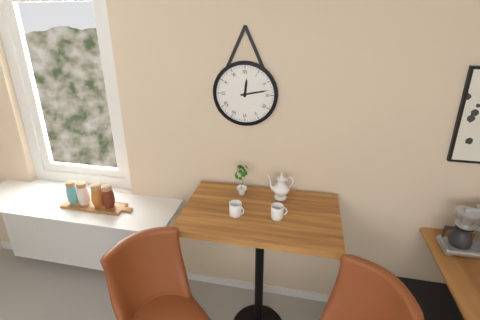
h=12 m=13
